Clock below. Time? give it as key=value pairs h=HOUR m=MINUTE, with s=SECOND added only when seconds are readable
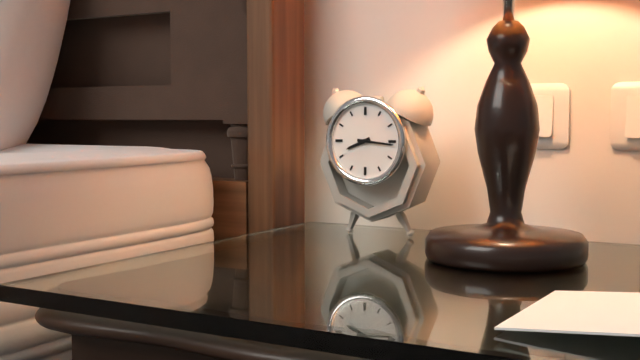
h=8 m=16
